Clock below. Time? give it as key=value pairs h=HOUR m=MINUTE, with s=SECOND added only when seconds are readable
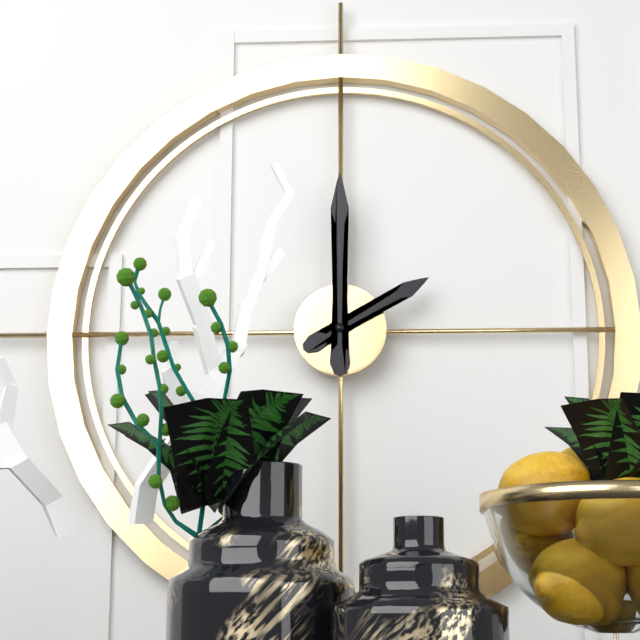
h=2 m=0
